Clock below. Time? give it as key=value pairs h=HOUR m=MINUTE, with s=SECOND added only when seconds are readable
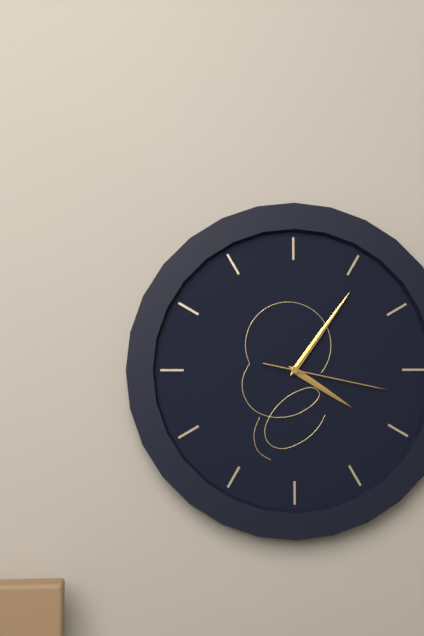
h=4 m=6 s=17
